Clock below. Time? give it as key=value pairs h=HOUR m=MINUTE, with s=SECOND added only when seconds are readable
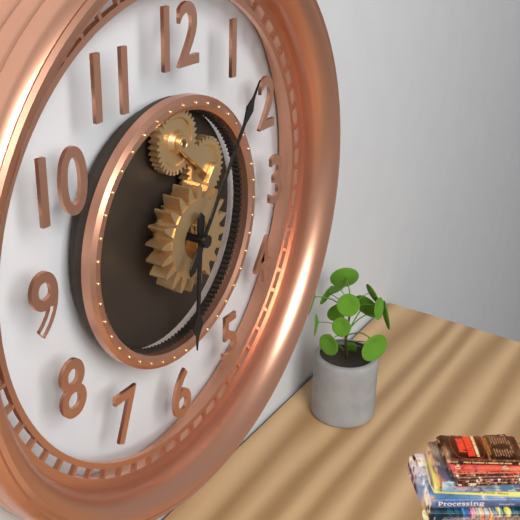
h=6 m=6
